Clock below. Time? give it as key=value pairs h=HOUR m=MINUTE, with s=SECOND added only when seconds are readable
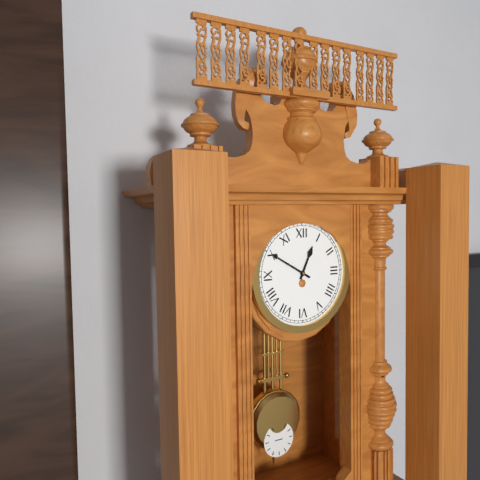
h=12 m=50
